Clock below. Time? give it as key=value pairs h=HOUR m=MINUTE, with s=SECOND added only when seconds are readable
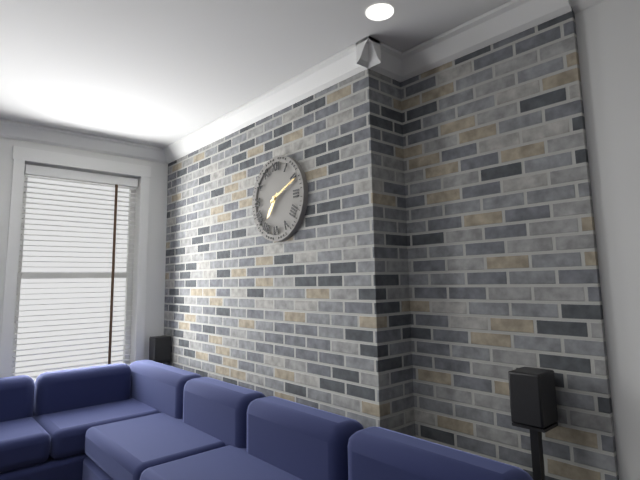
h=7 m=11
